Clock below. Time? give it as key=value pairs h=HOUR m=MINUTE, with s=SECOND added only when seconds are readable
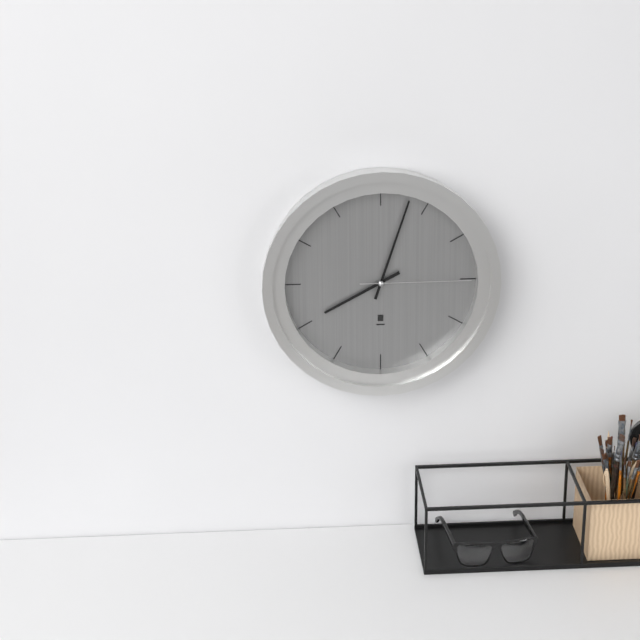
h=8 m=3 s=15
